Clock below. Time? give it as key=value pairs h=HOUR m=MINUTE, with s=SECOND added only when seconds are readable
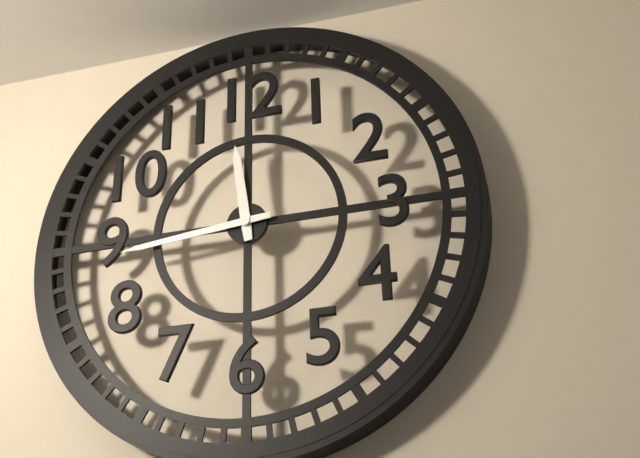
h=11 m=44
